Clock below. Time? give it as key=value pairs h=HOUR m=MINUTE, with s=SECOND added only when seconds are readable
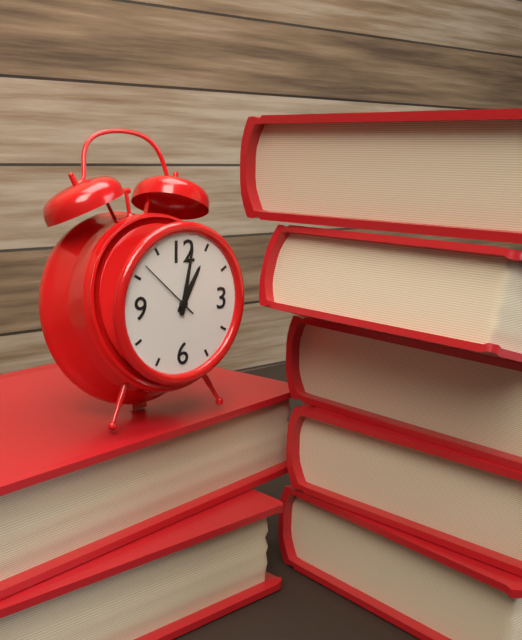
h=1 m=2 s=52
